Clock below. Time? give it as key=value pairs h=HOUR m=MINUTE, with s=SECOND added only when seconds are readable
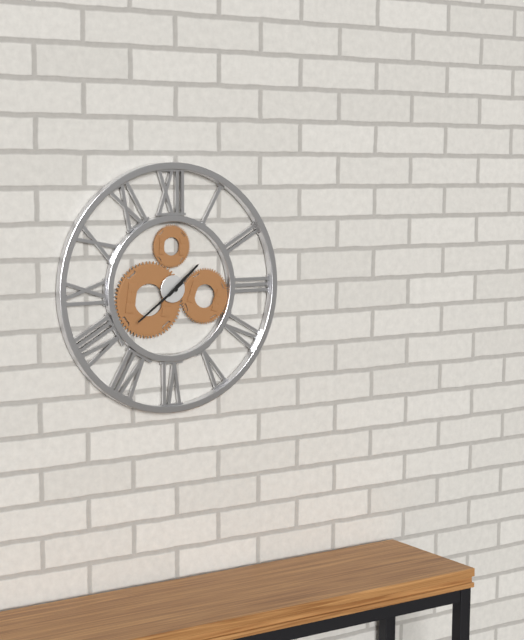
h=1 m=39
